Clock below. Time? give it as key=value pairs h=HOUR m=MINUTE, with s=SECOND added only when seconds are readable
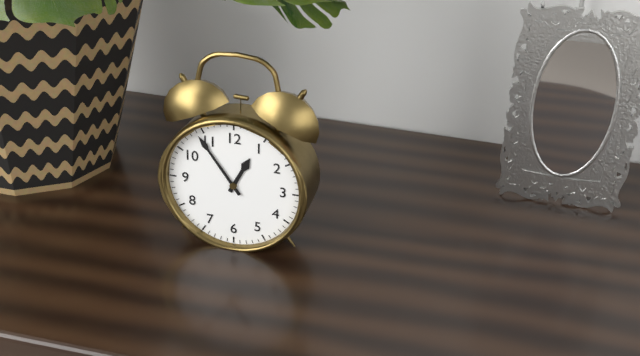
h=12 m=54
